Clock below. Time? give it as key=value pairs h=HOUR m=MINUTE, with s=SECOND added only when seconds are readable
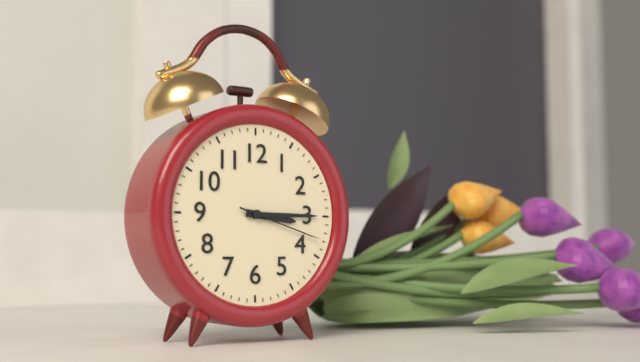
h=3 m=15 s=18
